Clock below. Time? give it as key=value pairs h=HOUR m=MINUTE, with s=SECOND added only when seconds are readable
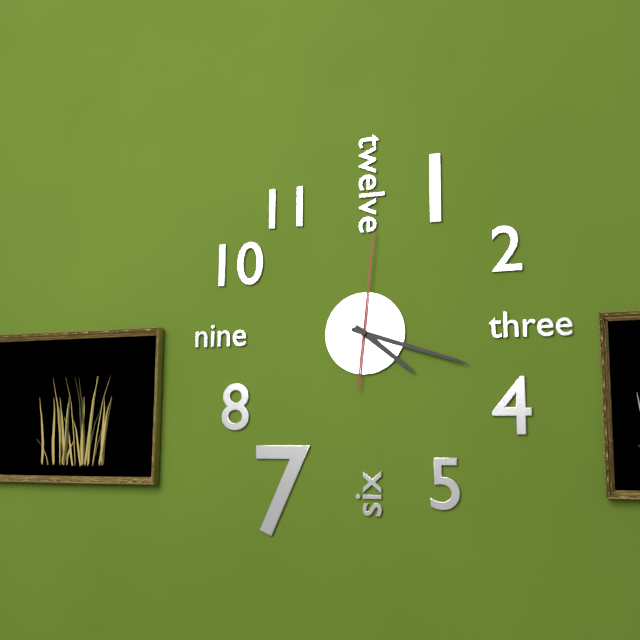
h=4 m=18 s=1
